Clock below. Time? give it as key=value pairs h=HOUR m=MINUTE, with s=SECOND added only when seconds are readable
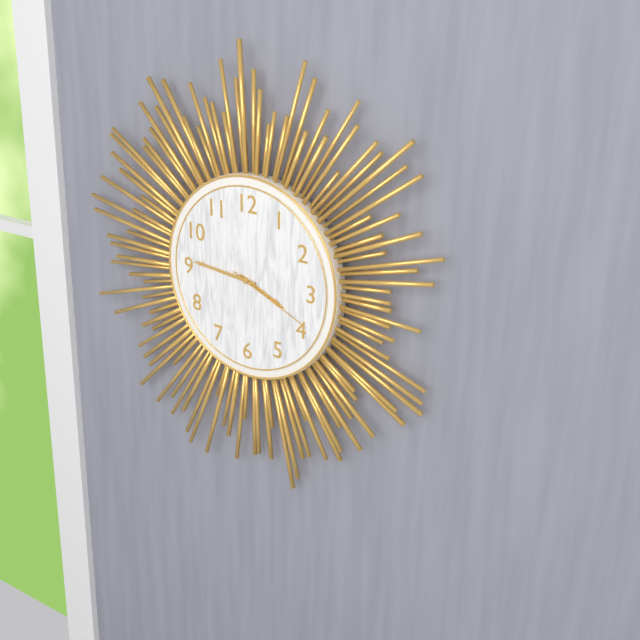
h=3 m=46 s=19
